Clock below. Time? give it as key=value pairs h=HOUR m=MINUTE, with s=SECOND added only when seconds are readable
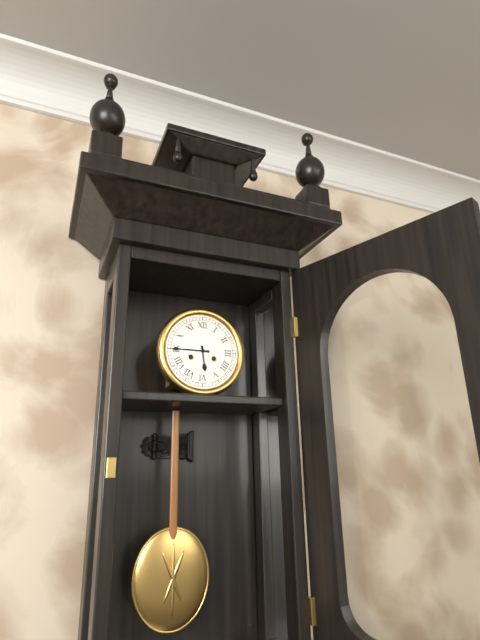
h=5 m=45
